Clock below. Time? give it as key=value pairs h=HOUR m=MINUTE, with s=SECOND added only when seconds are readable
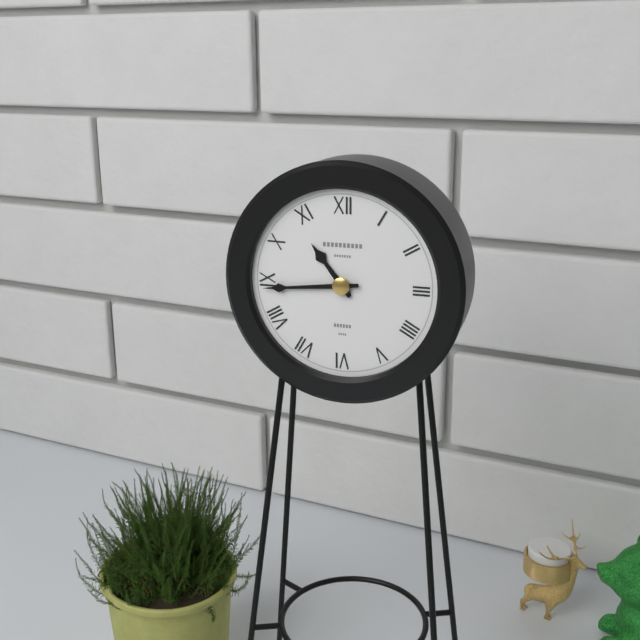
h=10 m=44
